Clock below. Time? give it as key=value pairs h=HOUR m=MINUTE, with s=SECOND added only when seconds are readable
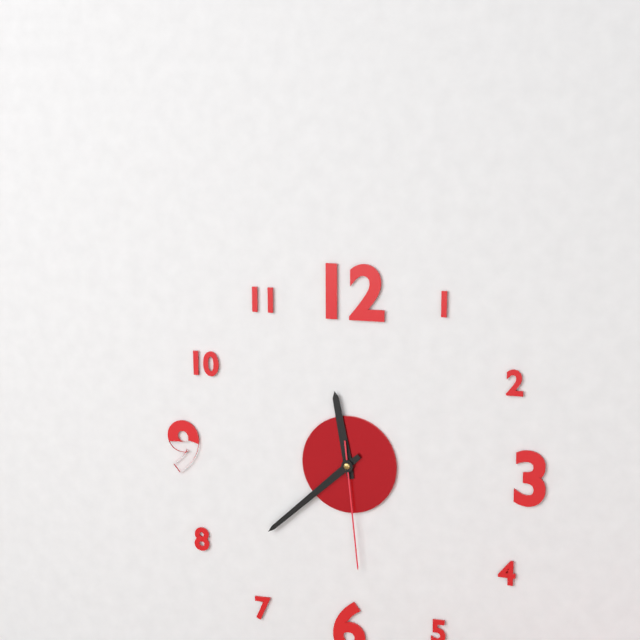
h=11 m=38 s=29
